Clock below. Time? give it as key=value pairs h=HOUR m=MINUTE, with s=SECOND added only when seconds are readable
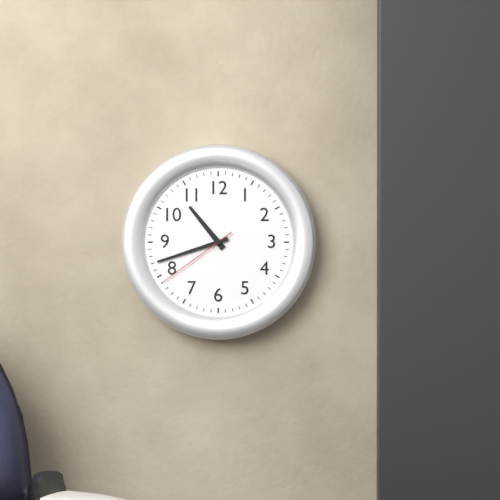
h=10 m=42 s=39
